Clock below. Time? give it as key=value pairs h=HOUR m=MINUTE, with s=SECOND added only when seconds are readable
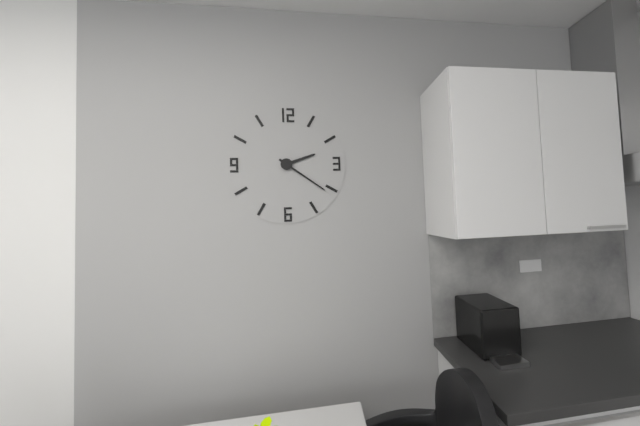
h=2 m=21
